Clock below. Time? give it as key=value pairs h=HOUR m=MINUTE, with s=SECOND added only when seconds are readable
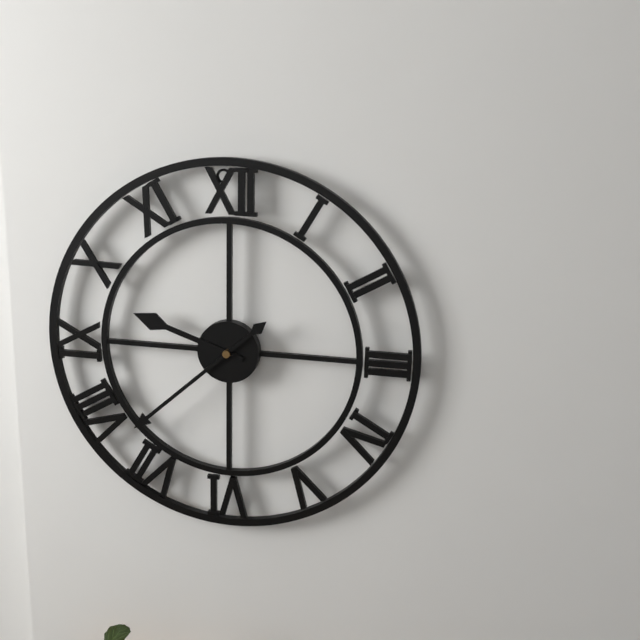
h=9 m=38
